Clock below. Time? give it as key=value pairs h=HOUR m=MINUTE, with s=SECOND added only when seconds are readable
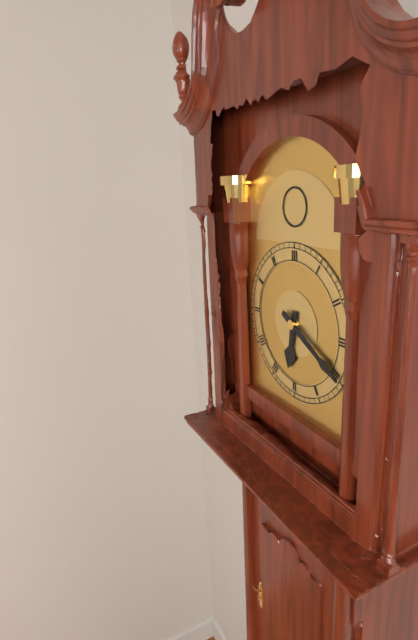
h=6 m=20
